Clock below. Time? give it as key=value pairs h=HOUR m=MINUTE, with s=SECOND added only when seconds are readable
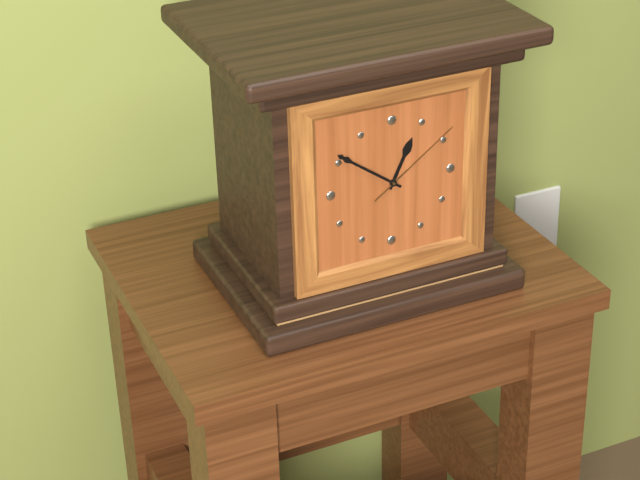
h=12 m=51 s=9
